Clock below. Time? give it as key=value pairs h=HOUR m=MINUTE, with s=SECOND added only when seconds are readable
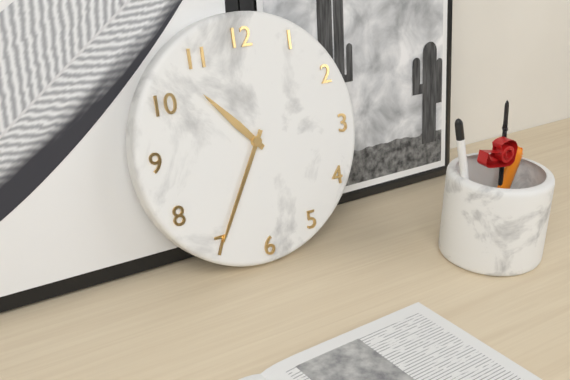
h=10 m=35
